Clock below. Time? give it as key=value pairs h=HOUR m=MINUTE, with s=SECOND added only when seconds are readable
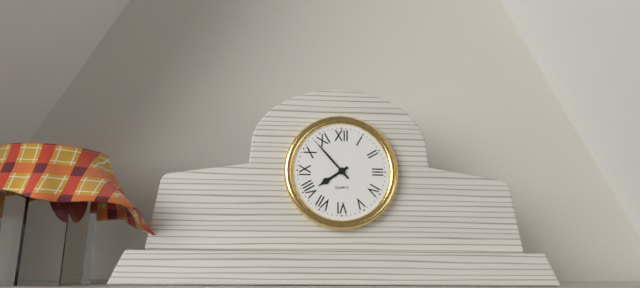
h=7 m=53
